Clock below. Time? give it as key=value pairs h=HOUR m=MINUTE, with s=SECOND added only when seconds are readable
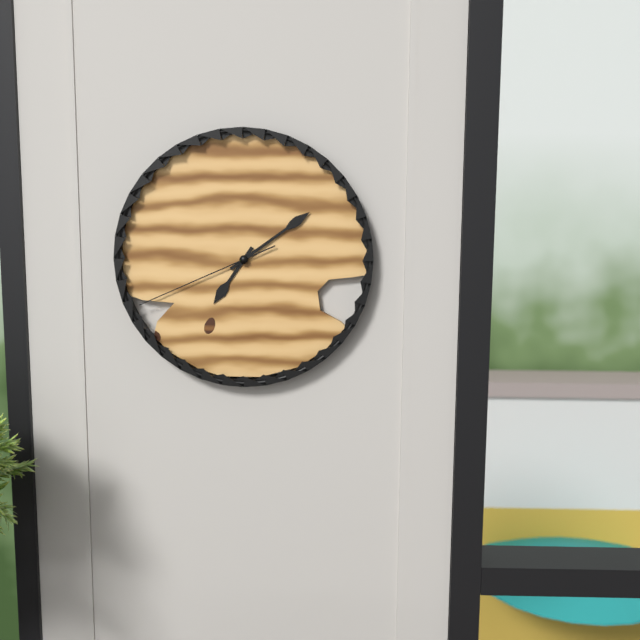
h=7 m=9 s=41
